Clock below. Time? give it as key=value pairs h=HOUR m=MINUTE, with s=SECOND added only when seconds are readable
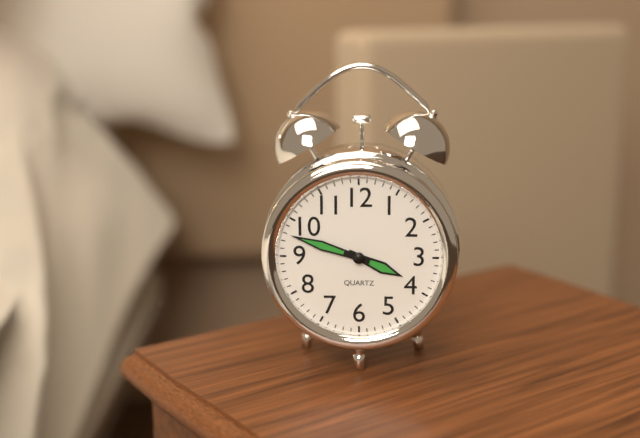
h=3 m=48
